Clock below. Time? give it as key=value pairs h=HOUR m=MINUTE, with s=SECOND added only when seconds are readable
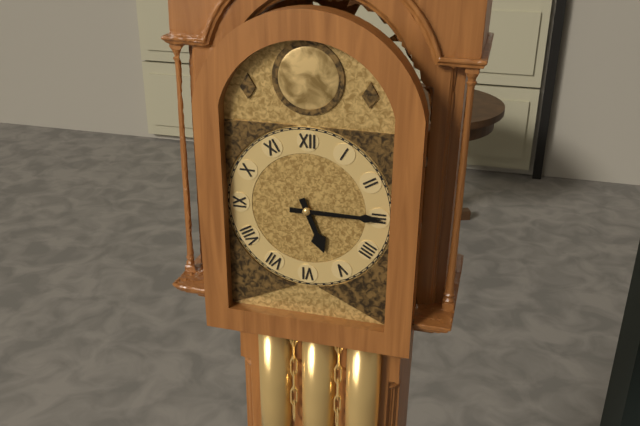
h=5 m=15
